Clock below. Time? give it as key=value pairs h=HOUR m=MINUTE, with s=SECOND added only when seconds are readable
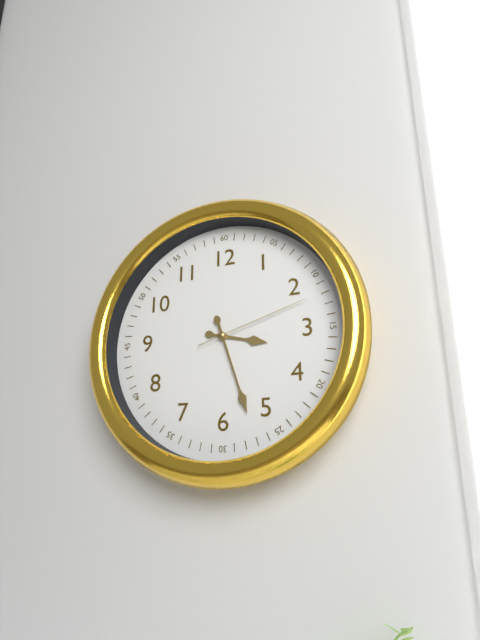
h=3 m=27 s=12
